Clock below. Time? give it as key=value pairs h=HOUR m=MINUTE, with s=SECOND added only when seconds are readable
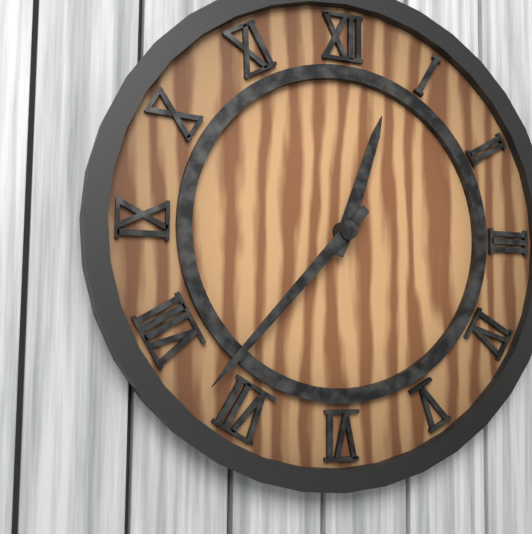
h=12 m=37
